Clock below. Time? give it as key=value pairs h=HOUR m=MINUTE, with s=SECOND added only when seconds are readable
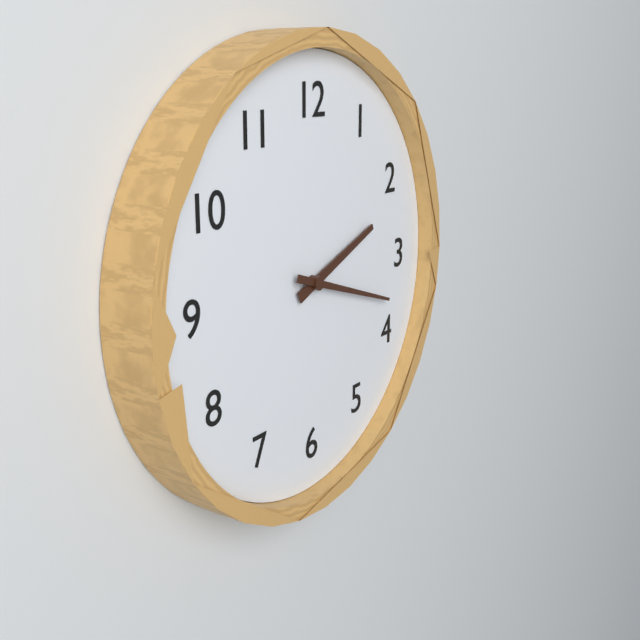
h=2 m=18
